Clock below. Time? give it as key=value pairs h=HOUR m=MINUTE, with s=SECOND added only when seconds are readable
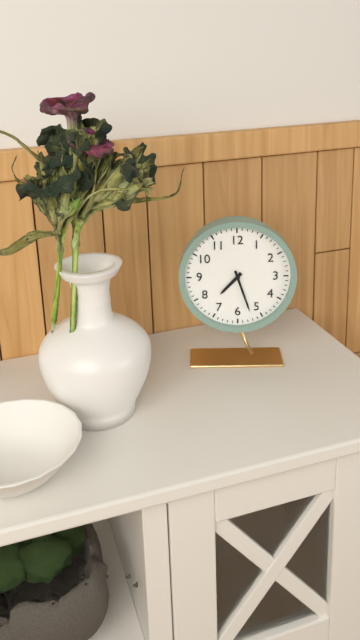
h=7 m=27
